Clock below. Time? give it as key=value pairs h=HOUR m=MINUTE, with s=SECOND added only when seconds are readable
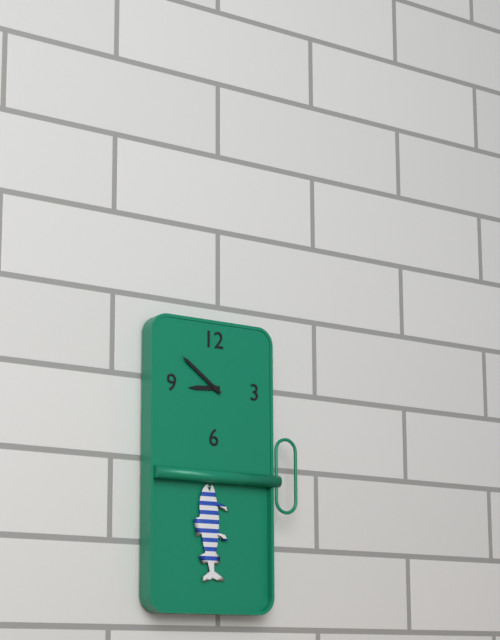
h=8 m=51
